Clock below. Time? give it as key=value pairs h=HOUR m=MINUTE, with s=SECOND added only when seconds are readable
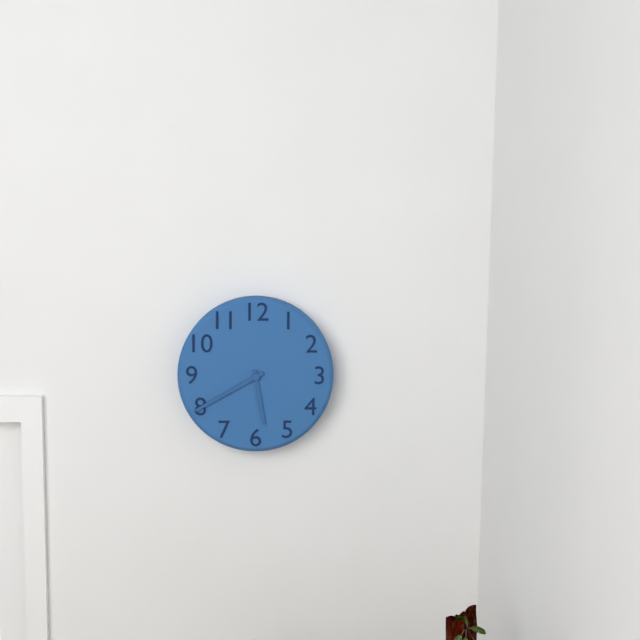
h=5 m=40
